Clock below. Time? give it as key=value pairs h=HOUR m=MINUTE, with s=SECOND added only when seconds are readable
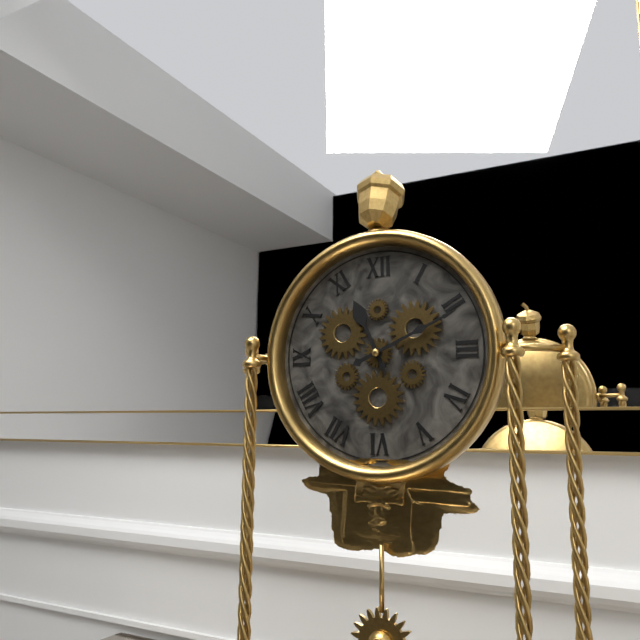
h=11 m=11
